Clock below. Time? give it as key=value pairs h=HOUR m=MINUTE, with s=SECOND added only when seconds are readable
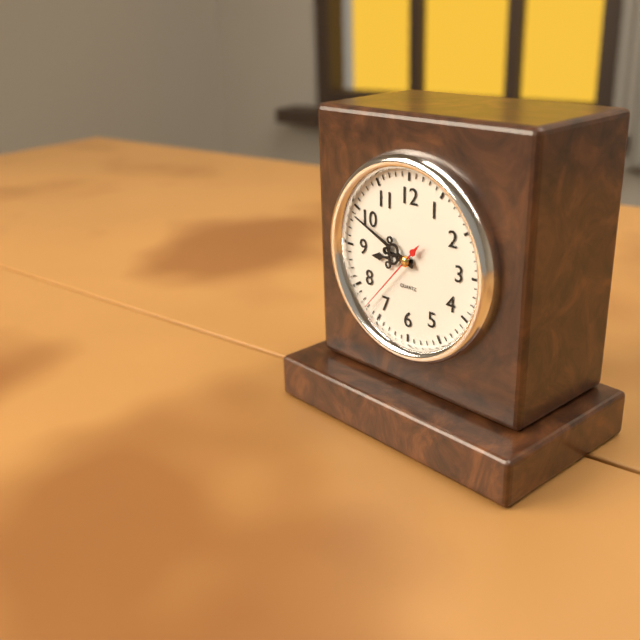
h=8 m=49 s=37
